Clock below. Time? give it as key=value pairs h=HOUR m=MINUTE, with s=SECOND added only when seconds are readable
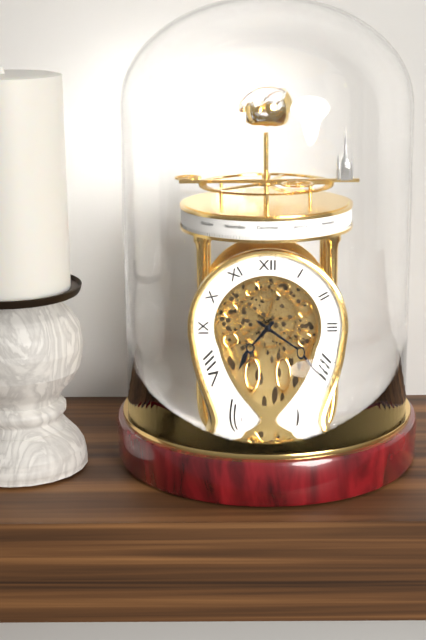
h=7 m=21
